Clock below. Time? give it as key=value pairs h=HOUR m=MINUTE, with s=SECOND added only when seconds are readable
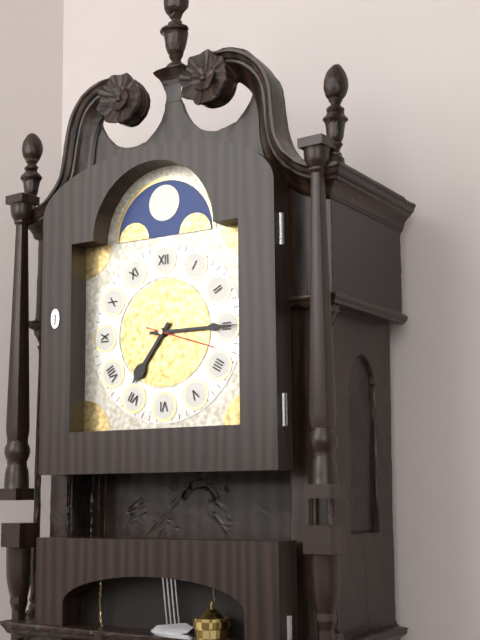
h=7 m=15 s=18
